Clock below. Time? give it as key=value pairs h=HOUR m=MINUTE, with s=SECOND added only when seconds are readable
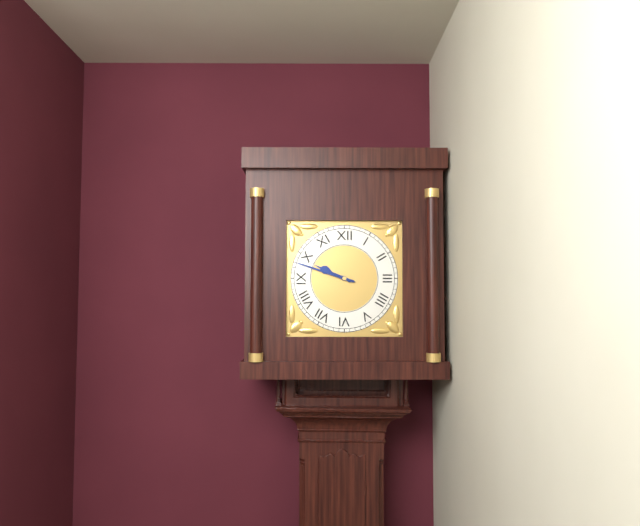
h=9 m=48
